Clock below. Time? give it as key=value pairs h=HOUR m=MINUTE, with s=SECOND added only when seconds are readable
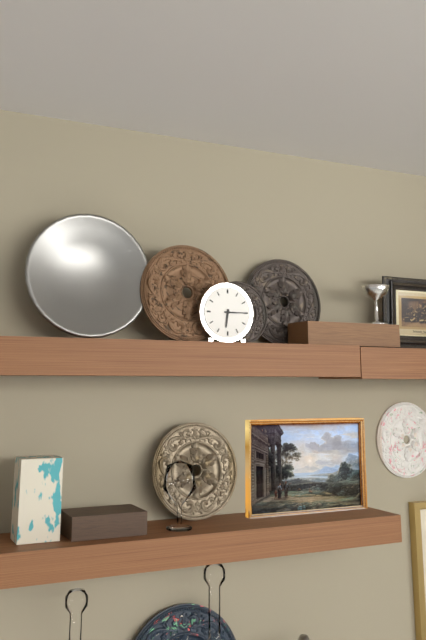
h=6 m=15
